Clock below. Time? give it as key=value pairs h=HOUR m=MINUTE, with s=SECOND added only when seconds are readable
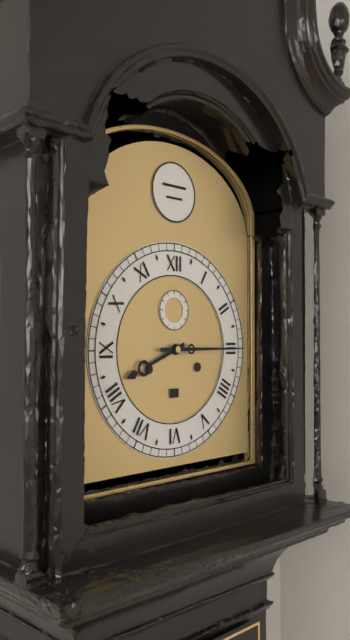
h=8 m=15
